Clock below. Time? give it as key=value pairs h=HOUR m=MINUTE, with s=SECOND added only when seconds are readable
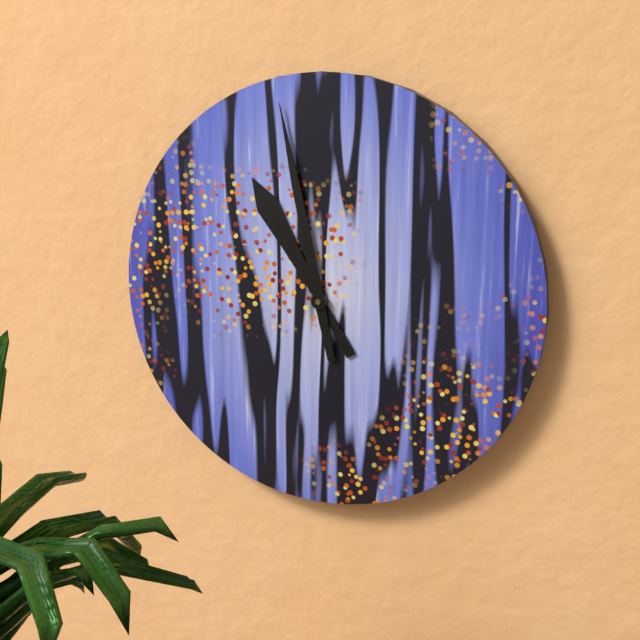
h=10 m=58
